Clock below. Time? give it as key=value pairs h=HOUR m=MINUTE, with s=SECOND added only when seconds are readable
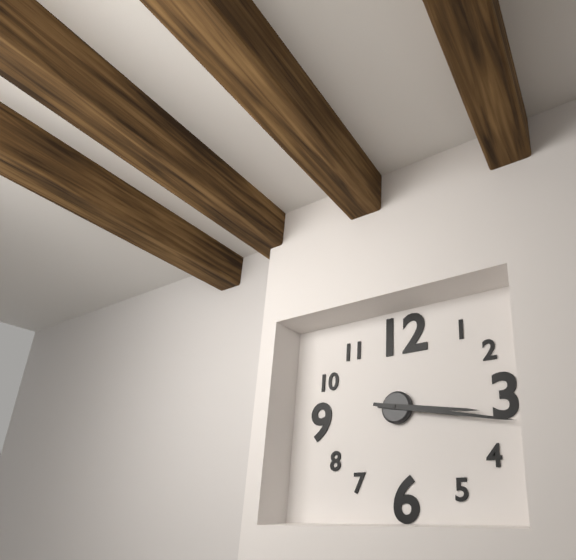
h=3 m=17
